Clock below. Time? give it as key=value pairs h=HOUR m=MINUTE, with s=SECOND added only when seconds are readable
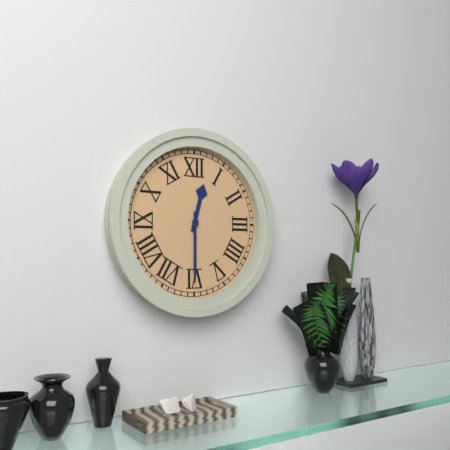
h=12 m=30
